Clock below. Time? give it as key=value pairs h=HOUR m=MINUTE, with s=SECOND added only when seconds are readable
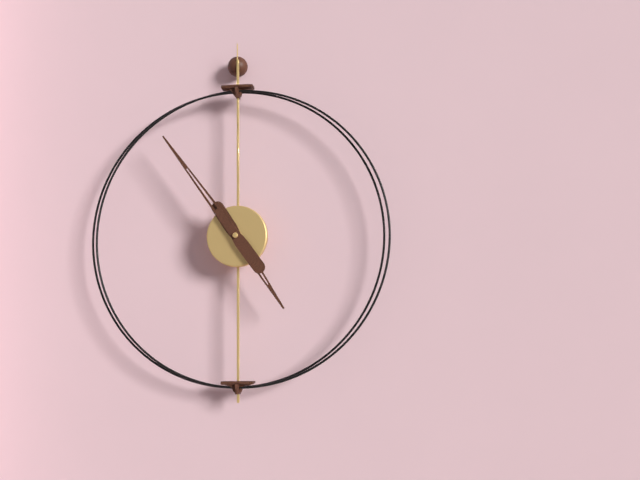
h=4 m=54
